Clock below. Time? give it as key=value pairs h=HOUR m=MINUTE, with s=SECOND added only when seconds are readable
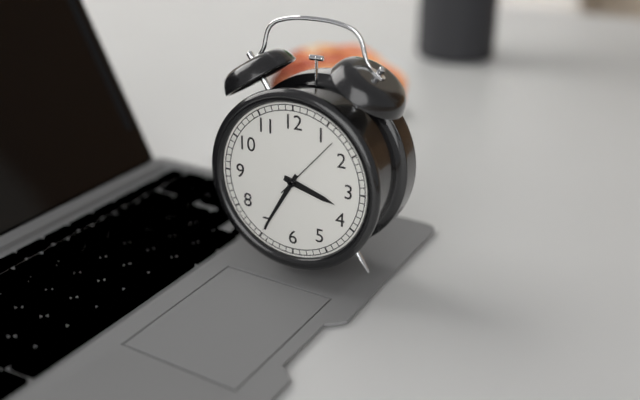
h=3 m=35 s=7
